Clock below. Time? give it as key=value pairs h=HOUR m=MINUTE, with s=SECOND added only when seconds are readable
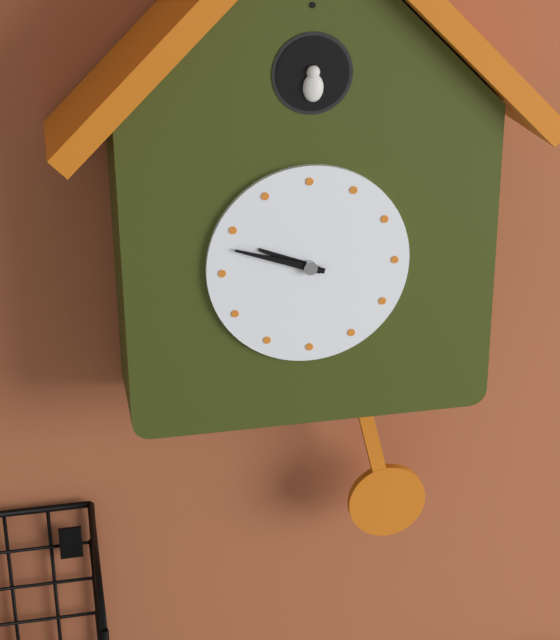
h=9 m=48
